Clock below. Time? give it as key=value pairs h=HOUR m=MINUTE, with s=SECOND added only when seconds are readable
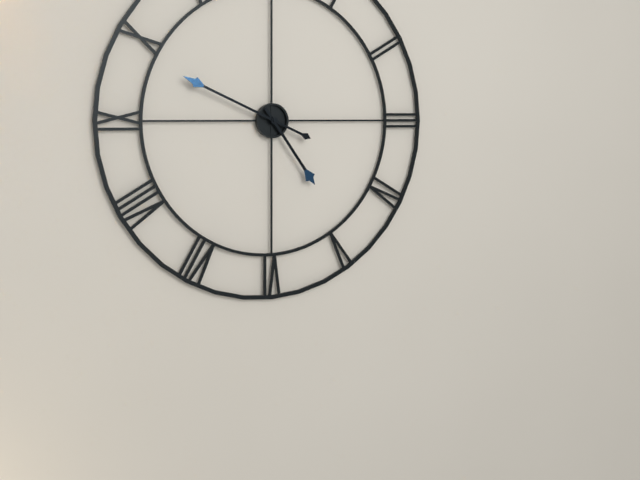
h=4 m=49
